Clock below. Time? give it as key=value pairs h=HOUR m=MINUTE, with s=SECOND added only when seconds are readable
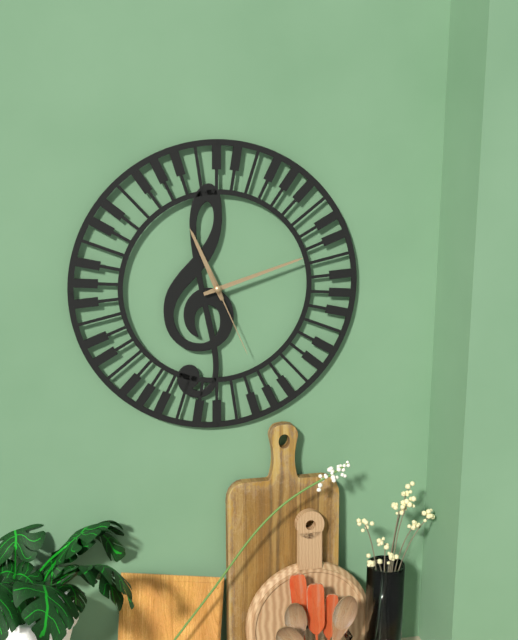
h=11 m=12 s=26
